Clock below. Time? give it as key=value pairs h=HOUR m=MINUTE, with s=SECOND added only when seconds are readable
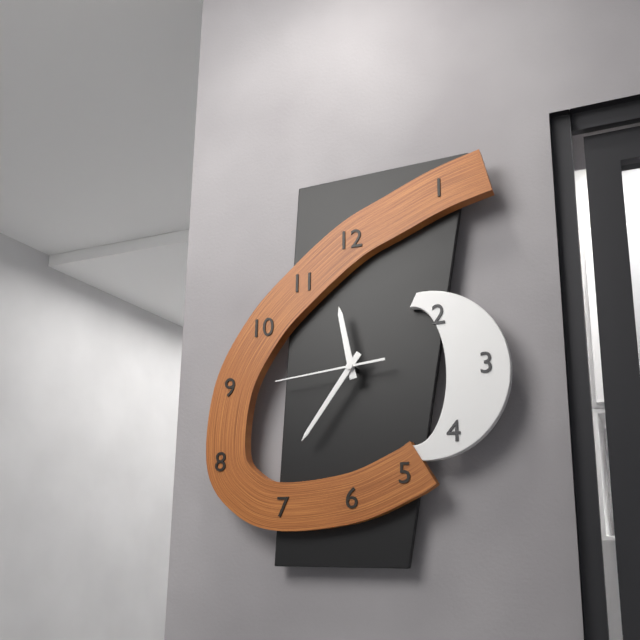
h=11 m=36 s=44
